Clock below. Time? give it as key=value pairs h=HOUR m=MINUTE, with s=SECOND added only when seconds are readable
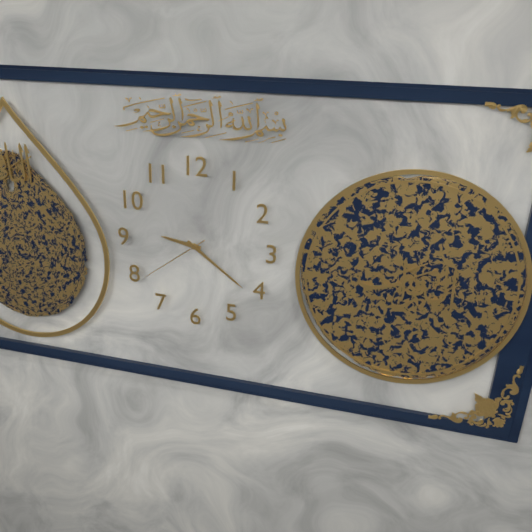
h=9 m=21 s=39
